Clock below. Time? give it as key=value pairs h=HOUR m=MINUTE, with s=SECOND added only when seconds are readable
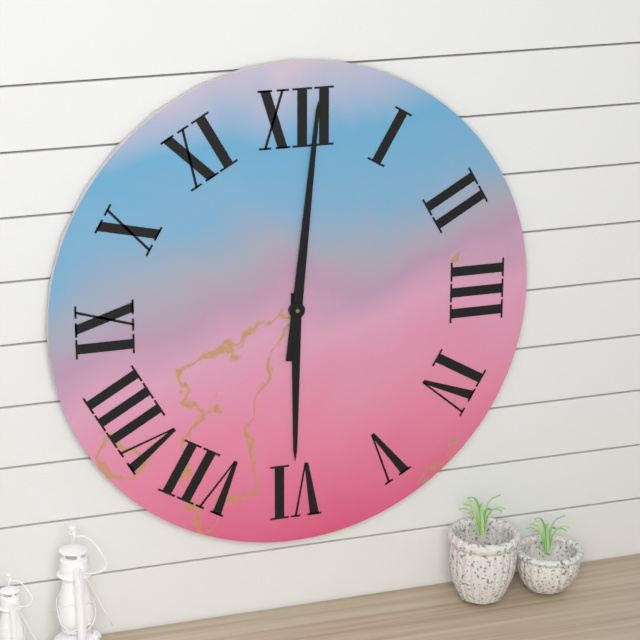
h=6 m=1
